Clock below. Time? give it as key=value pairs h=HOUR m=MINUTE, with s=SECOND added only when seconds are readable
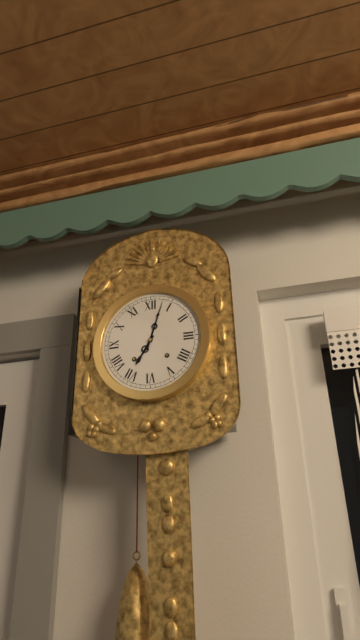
h=7 m=3
